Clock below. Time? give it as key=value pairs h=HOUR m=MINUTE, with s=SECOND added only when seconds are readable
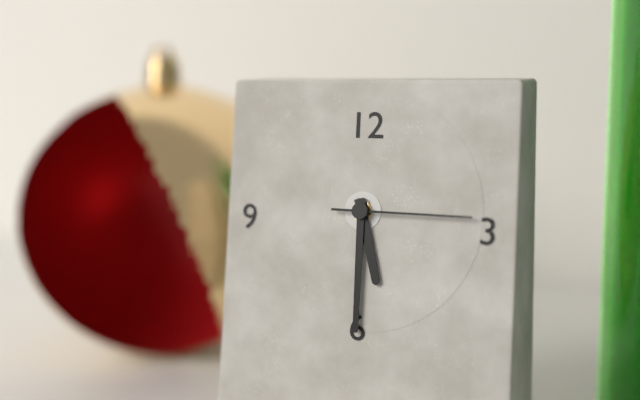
h=5 m=30 s=15
